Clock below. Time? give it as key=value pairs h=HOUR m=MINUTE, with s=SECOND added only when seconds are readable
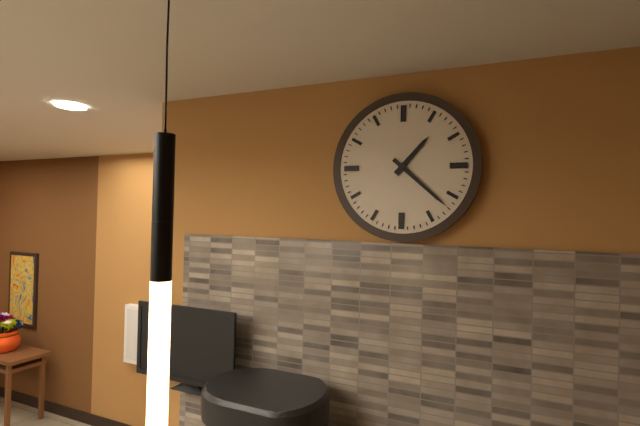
h=1 m=22
